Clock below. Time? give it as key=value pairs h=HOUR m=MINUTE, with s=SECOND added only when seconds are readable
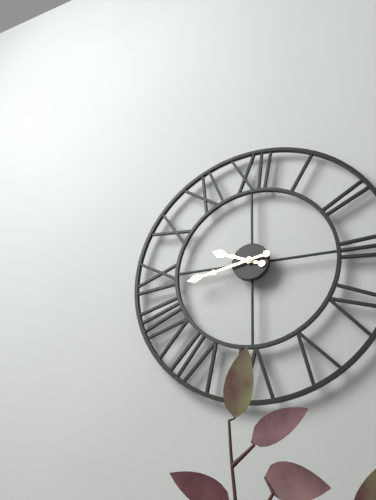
h=9 m=43
